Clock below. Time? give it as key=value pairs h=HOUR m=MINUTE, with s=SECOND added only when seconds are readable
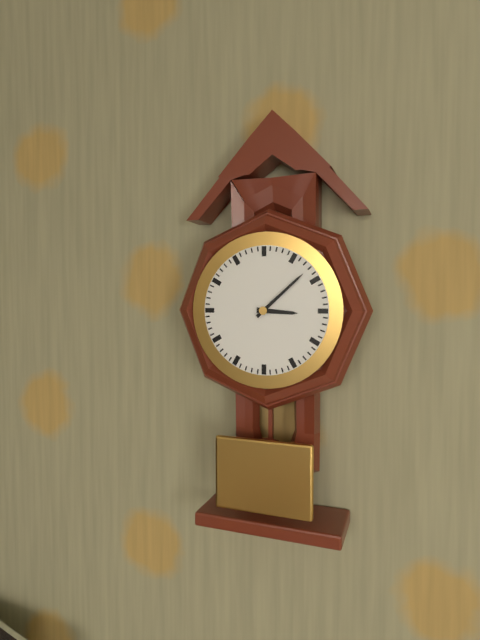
h=3 m=8
